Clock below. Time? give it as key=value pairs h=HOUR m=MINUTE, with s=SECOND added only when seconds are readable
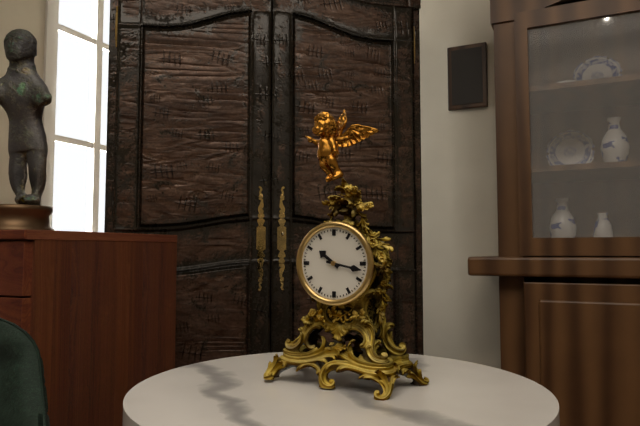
h=10 m=17
